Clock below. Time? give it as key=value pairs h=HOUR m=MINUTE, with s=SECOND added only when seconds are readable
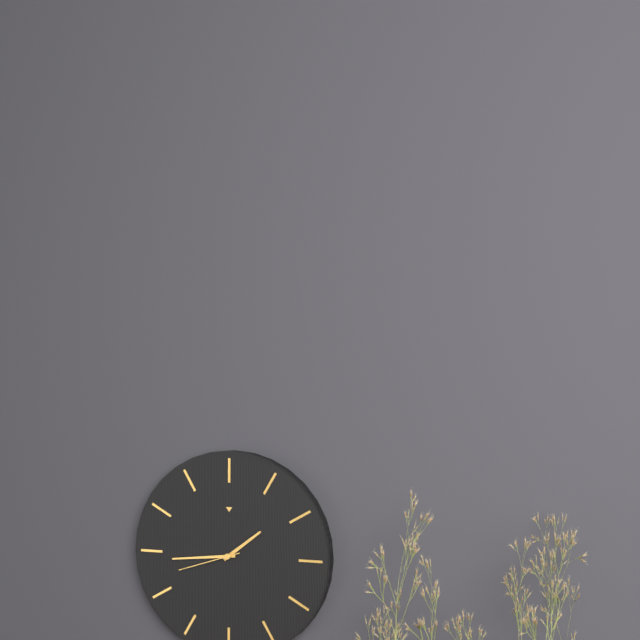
h=1 m=44 s=42
